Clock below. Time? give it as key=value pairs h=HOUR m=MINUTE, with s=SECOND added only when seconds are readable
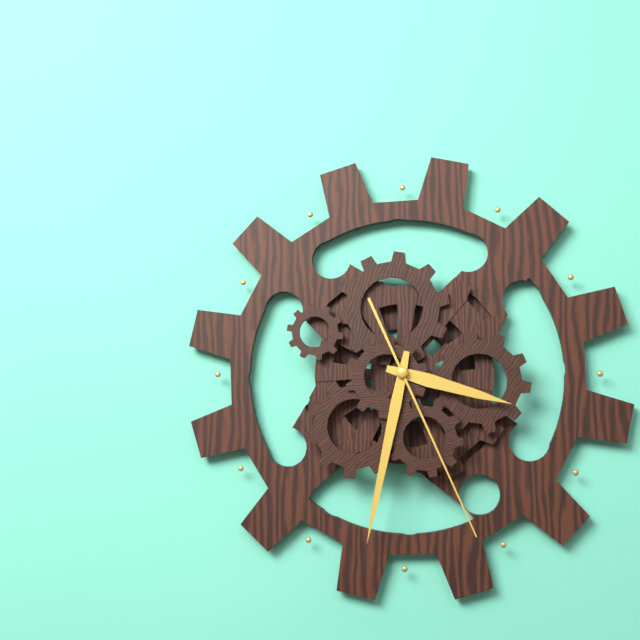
h=3 m=32 s=26
